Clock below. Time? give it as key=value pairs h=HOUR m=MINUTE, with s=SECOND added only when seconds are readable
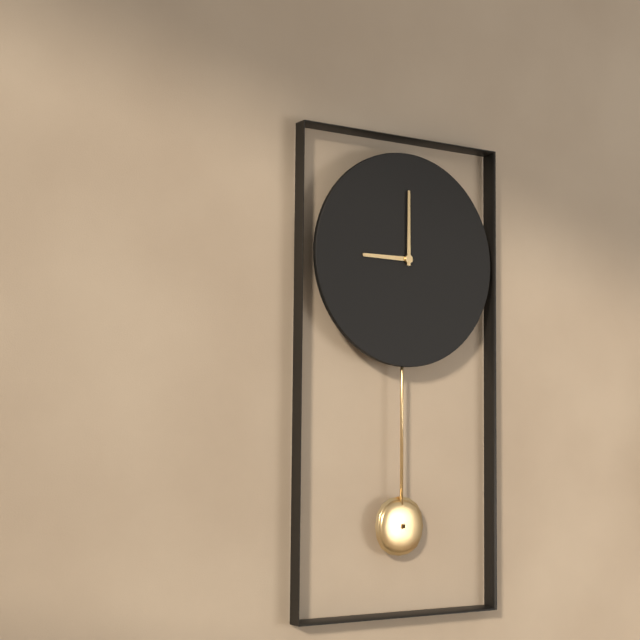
h=9 m=0
